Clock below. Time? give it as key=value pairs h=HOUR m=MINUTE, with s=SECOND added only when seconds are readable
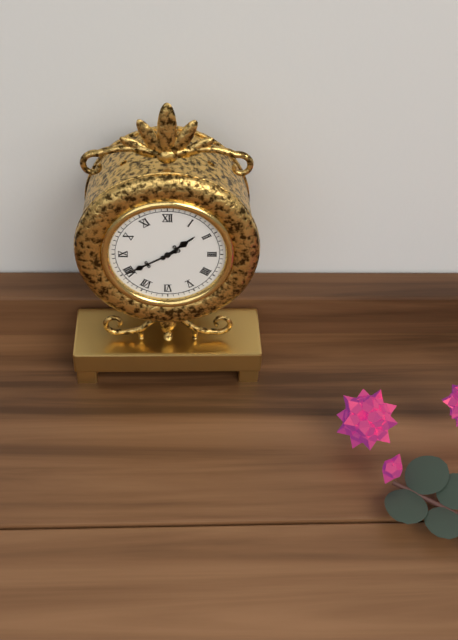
h=1 m=40
